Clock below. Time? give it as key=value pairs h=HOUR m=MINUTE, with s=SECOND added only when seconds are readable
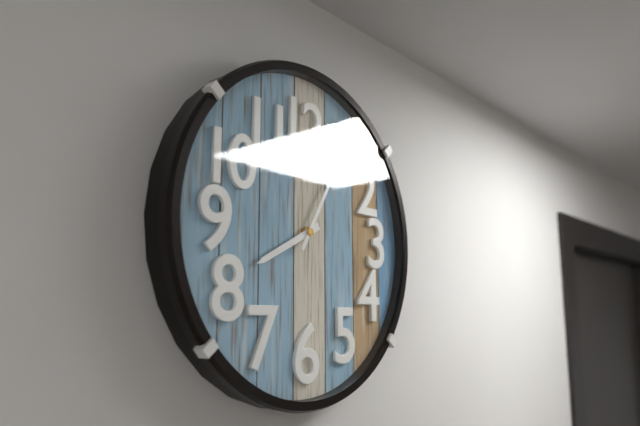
h=8 m=5
